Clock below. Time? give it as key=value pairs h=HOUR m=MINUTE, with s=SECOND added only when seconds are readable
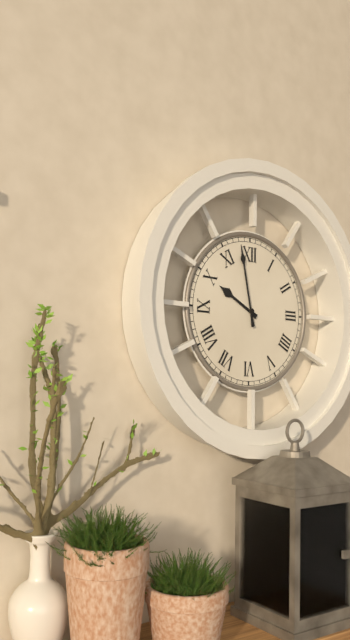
h=9 m=58
